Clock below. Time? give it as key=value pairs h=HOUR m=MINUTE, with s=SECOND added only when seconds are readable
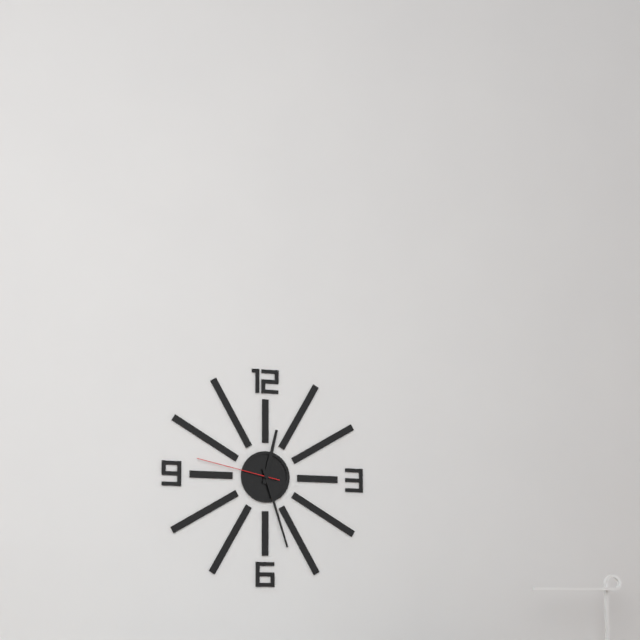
h=12 m=27 s=47
